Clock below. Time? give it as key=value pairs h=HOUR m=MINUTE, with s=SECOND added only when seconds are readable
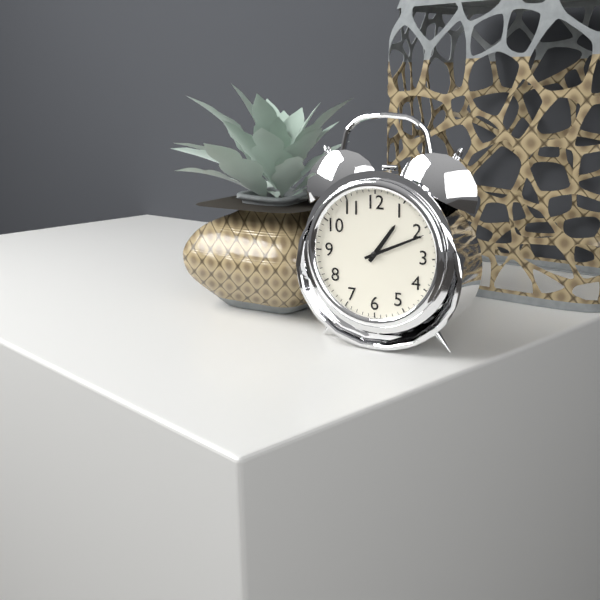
h=1 m=11
